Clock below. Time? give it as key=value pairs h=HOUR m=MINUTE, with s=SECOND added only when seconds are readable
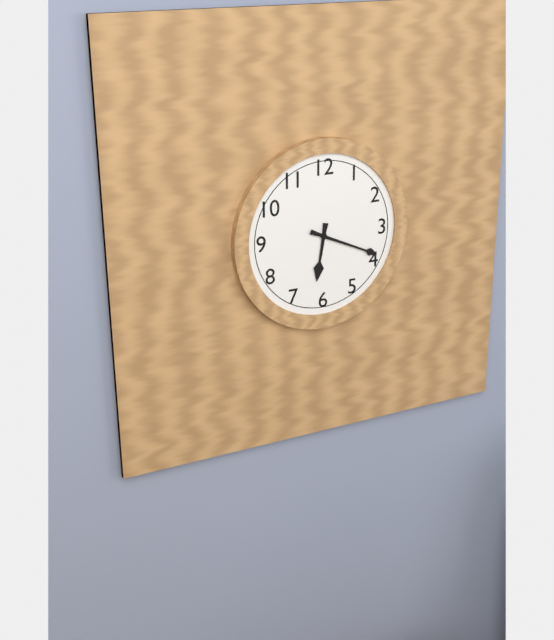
h=6 m=19
